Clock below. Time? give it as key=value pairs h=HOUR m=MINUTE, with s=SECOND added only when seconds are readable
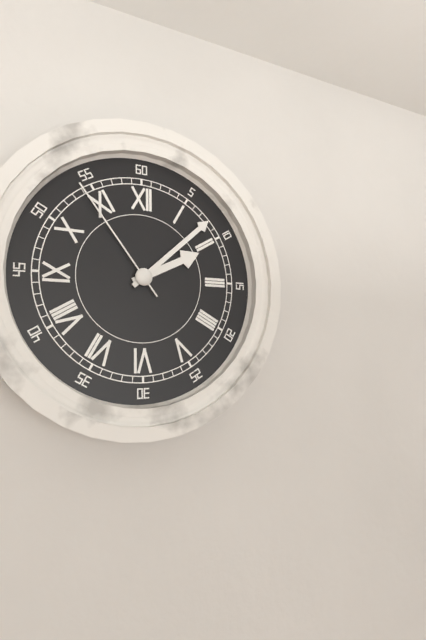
h=2 m=8 s=54
